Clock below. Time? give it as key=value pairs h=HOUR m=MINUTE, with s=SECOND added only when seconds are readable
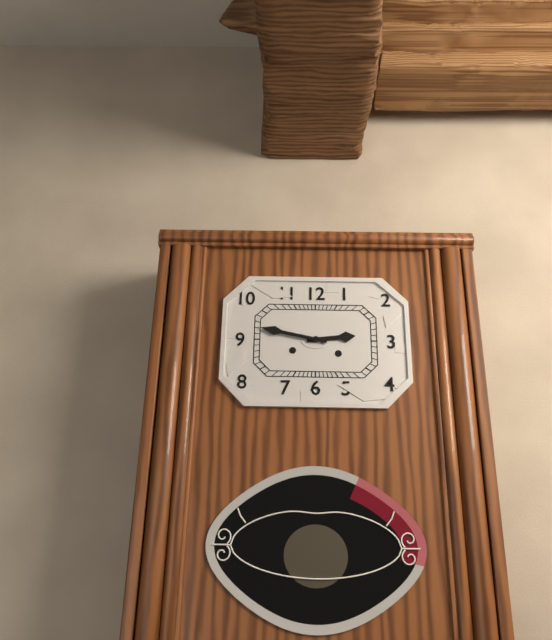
h=2 m=47
